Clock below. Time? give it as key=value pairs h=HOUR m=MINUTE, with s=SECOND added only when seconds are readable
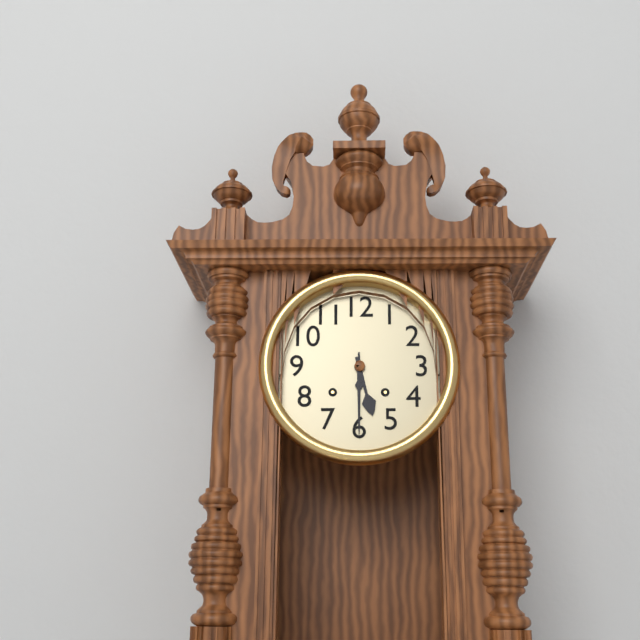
h=5 m=30
